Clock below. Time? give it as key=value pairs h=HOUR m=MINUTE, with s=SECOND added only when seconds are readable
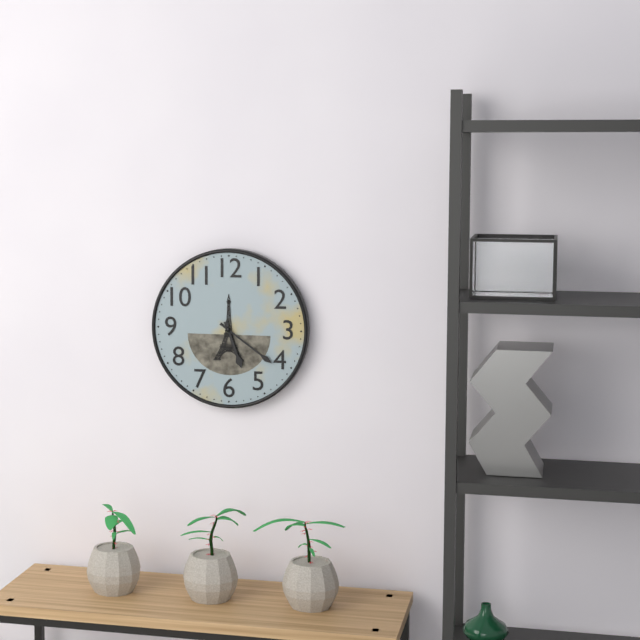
h=5 m=21
